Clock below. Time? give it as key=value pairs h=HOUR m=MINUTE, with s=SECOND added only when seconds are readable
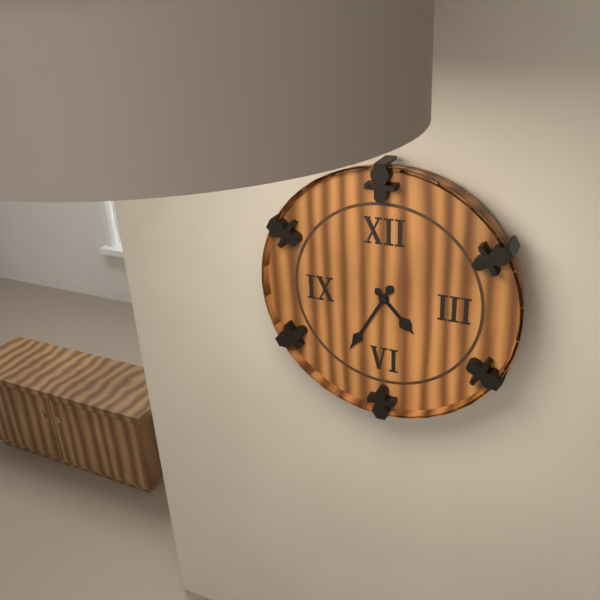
h=4 m=35
